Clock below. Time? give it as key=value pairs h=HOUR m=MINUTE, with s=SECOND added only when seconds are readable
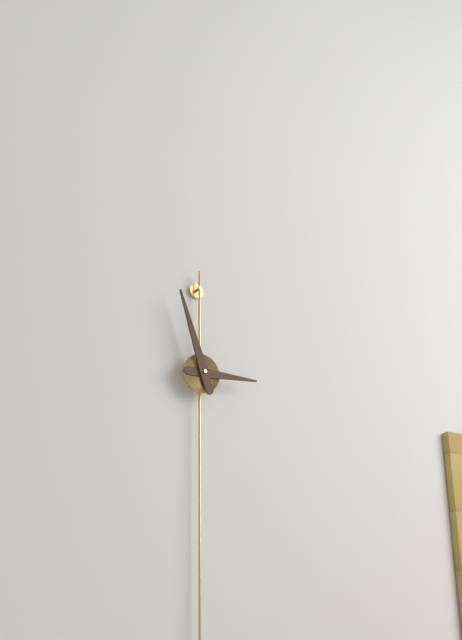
h=2 m=57
